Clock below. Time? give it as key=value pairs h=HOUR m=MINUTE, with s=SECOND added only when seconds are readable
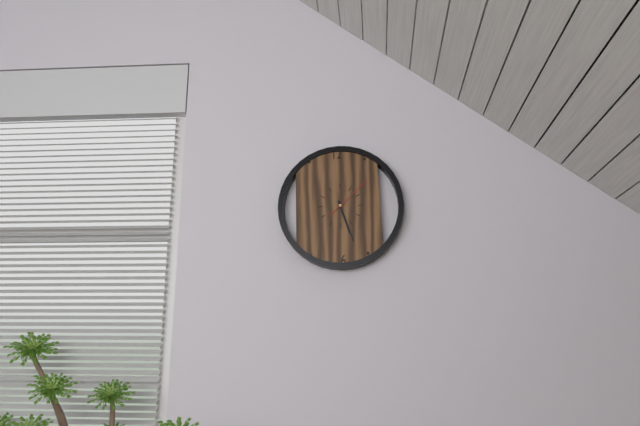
h=5 m=27
